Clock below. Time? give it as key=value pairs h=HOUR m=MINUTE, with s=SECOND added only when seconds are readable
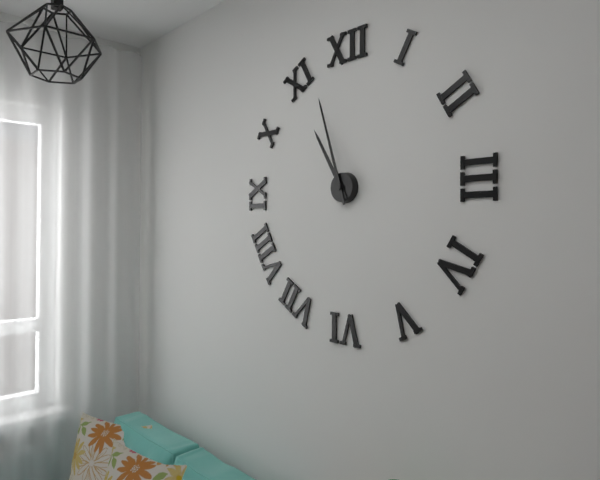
h=10 m=57
